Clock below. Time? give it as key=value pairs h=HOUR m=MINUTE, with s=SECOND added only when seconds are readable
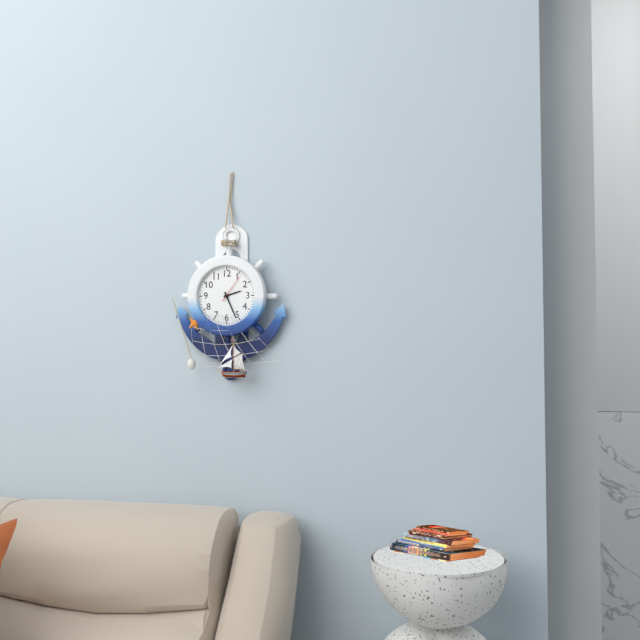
h=2 m=26
